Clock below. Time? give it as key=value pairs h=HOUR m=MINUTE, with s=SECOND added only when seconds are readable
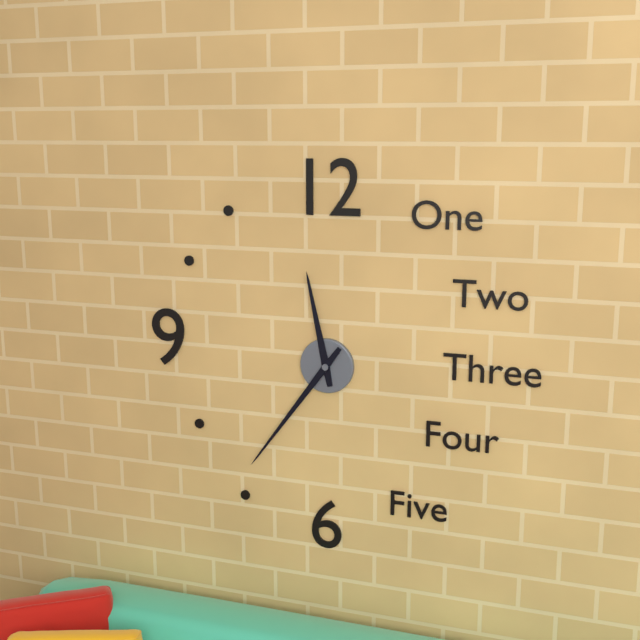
h=11 m=36
